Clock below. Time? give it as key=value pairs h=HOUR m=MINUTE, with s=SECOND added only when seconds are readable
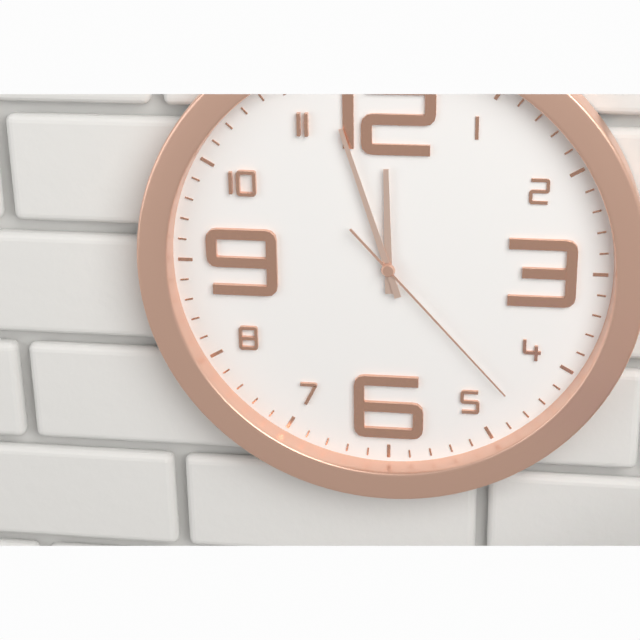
h=11 m=57 s=23
